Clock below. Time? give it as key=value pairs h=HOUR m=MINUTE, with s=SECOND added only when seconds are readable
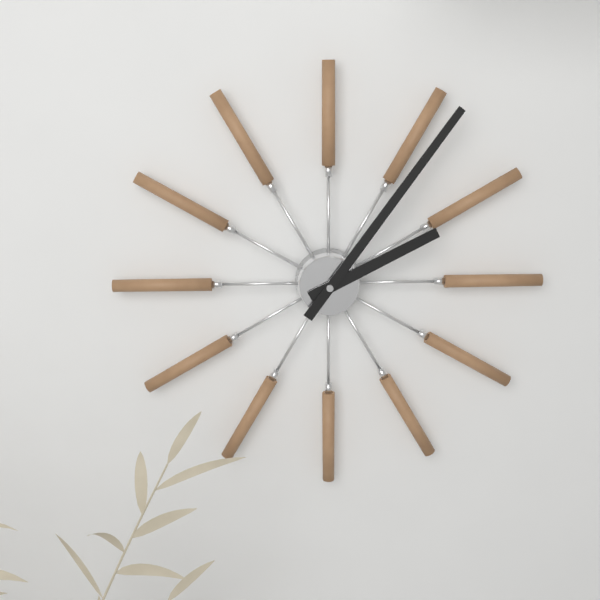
h=2 m=6
